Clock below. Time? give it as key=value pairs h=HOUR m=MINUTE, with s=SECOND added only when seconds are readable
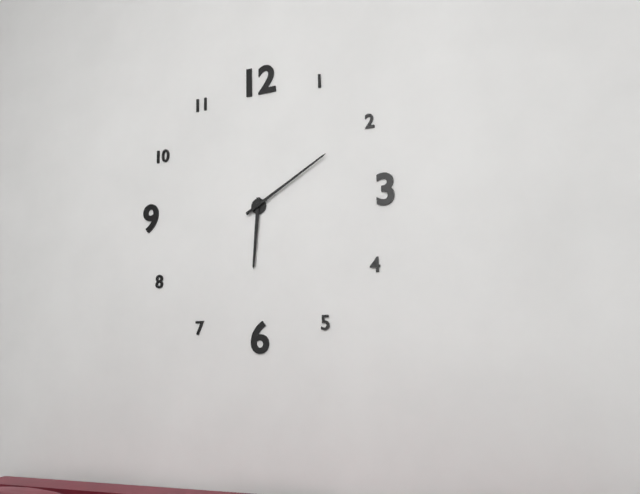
h=6 m=10
